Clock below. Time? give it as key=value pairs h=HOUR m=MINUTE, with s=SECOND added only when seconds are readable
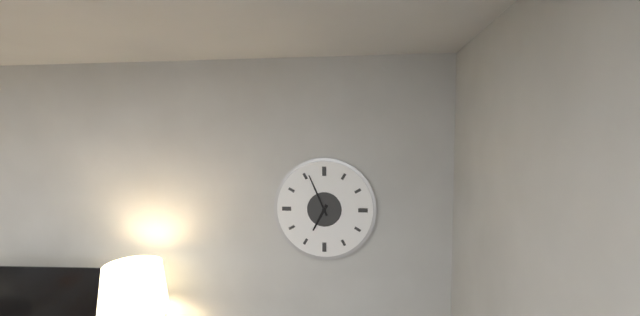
h=6 m=56
